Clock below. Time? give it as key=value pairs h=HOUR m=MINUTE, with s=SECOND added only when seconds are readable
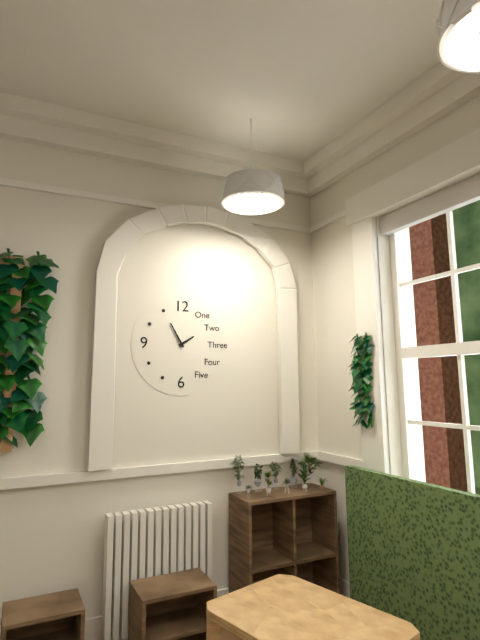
h=1 m=55
